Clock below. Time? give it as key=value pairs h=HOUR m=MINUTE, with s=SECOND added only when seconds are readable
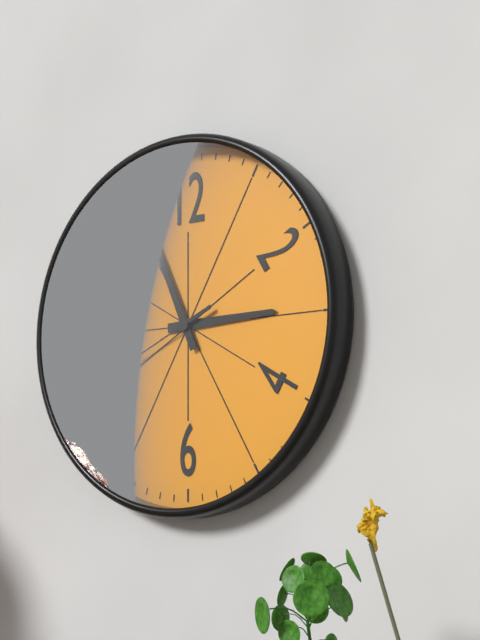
h=2 m=56 s=41
